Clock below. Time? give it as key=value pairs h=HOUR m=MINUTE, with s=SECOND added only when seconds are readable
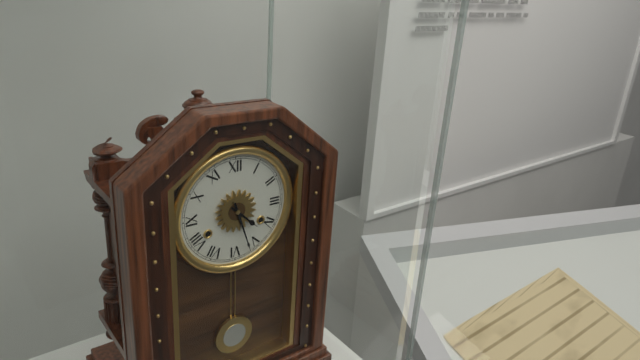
h=4 m=27
